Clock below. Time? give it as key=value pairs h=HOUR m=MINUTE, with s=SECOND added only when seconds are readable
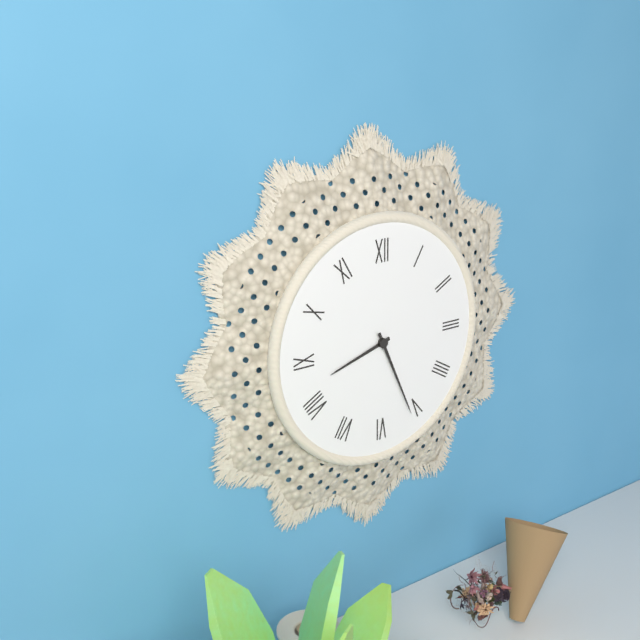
h=8 m=26
